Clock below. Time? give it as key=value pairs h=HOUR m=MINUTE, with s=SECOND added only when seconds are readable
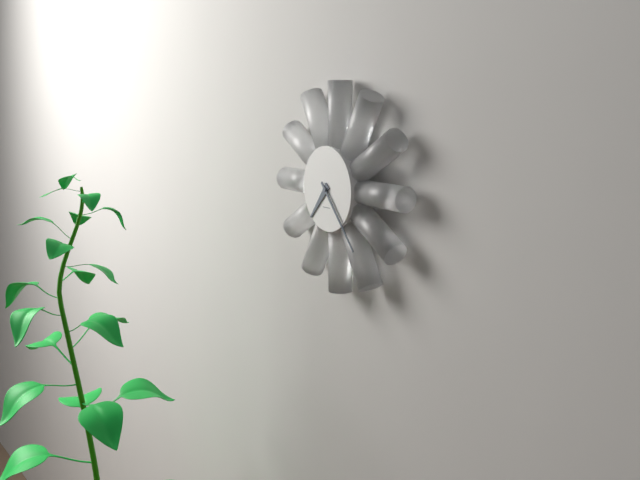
h=7 m=23
